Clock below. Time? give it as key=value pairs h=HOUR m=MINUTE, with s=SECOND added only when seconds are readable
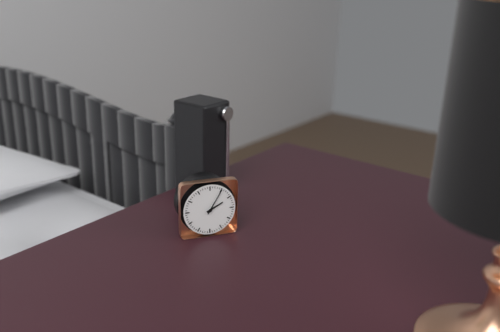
h=2 m=5
